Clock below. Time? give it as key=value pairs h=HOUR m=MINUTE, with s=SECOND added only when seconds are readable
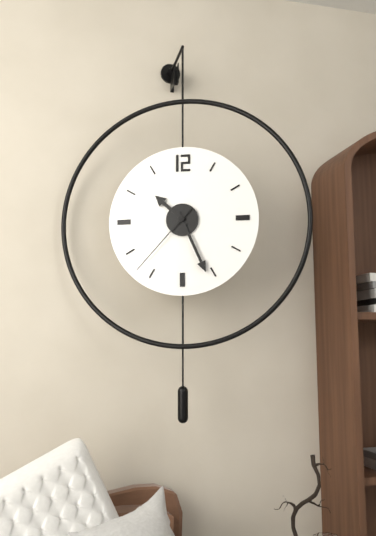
h=10 m=26 s=37
